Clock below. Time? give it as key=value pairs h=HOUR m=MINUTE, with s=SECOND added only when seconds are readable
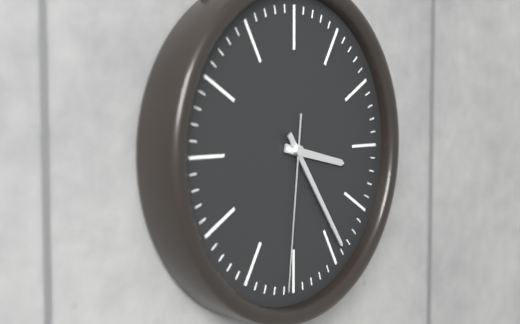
h=3 m=24 s=31
